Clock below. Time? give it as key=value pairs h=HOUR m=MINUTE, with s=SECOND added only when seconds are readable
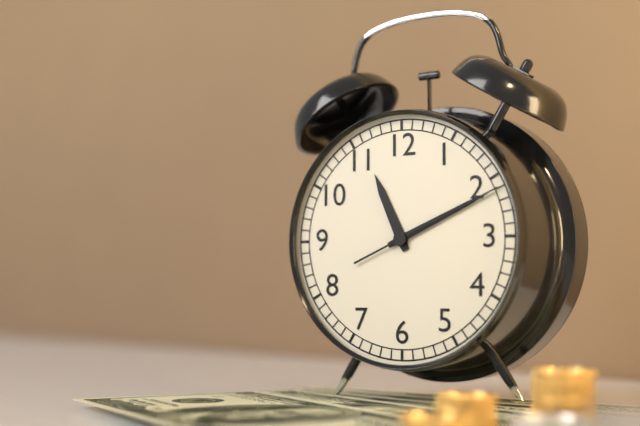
h=11 m=11 s=11
